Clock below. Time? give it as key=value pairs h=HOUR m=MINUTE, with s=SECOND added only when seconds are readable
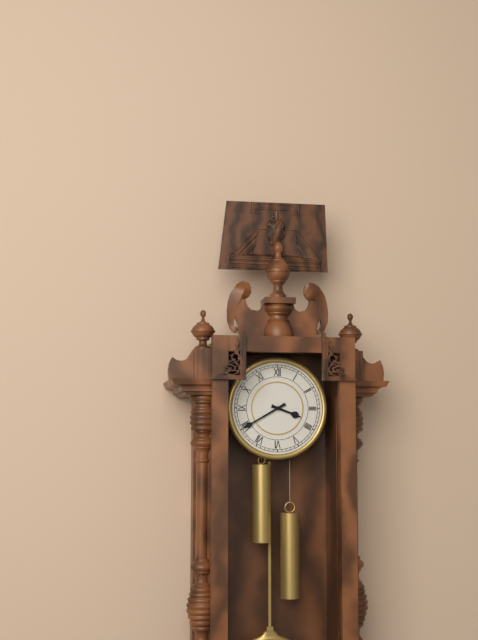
h=3 m=40
